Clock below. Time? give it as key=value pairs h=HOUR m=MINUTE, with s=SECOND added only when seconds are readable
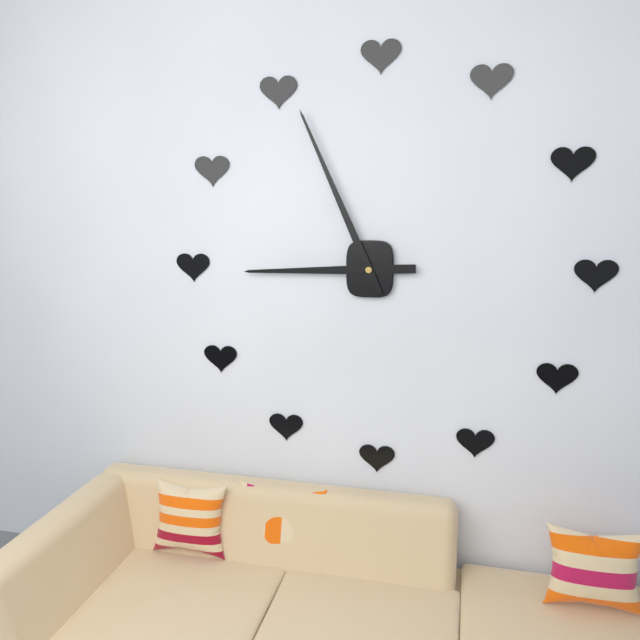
h=8 m=56
